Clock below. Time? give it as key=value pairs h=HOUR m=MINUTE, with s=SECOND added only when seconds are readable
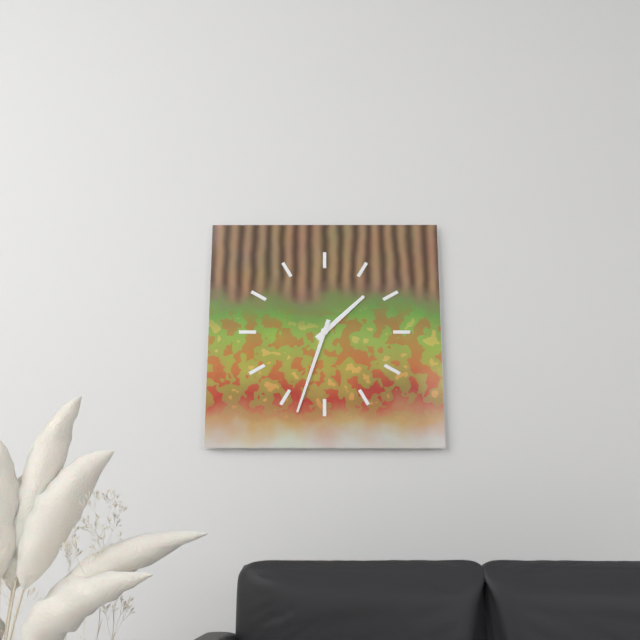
h=1 m=33
